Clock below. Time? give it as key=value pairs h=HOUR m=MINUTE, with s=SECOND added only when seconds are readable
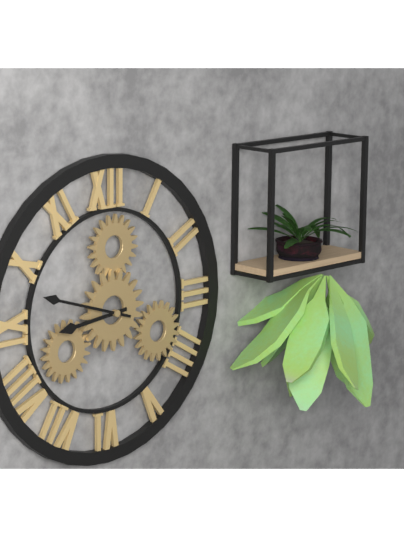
h=8 m=48
